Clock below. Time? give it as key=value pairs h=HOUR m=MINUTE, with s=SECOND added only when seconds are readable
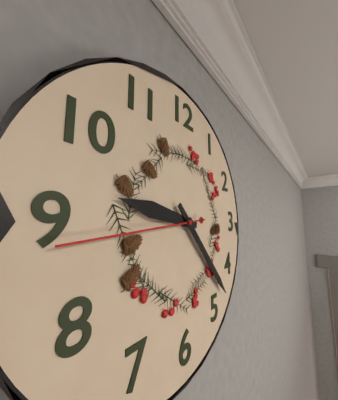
h=9 m=23 s=44
